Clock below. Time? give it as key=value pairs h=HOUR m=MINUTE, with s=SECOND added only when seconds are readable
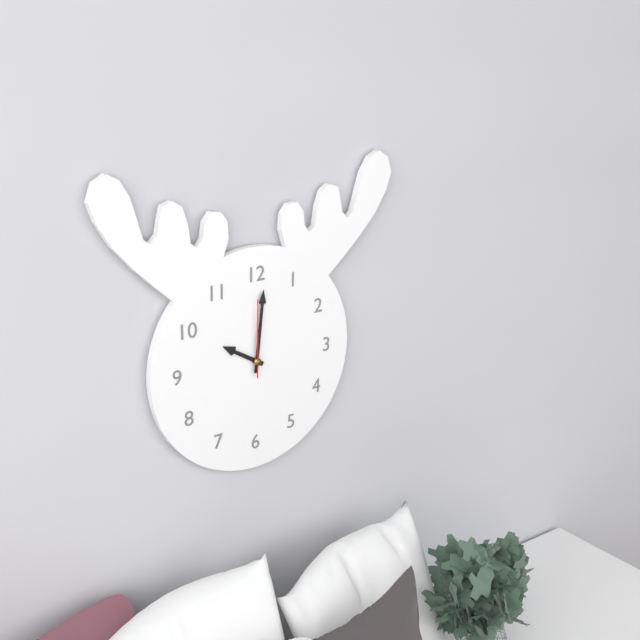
h=10 m=1 s=0
